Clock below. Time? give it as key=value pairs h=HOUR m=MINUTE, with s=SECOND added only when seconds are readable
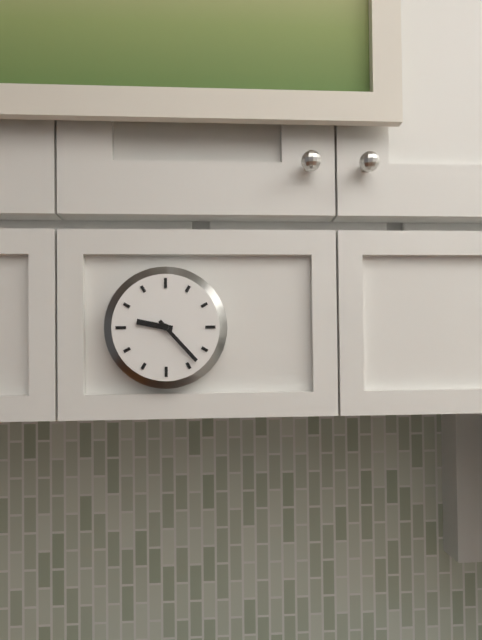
h=9 m=23
